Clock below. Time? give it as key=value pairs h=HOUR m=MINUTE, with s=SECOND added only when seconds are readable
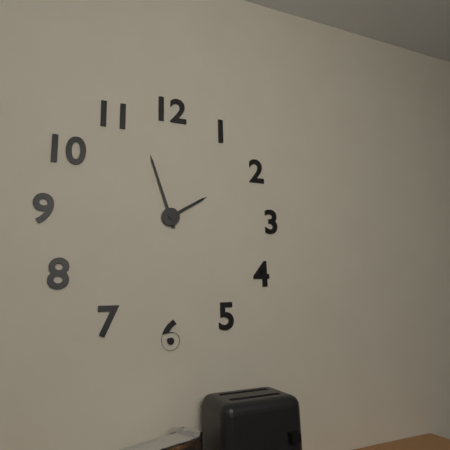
h=1 m=57
